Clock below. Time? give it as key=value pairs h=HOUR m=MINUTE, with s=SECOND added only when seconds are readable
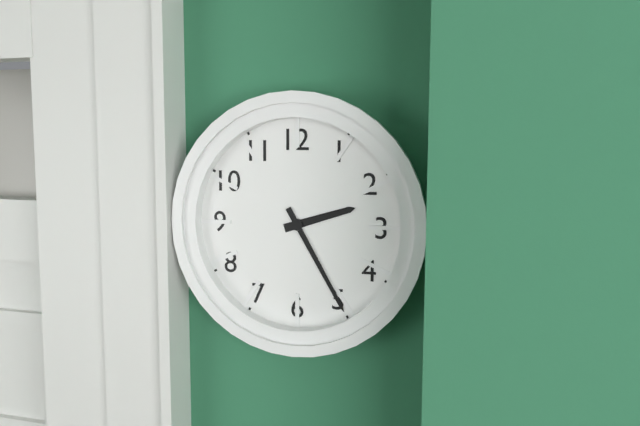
h=2 m=25
